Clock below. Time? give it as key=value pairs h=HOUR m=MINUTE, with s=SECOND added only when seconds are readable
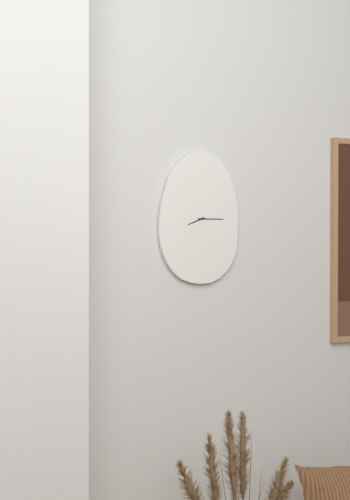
h=8 m=15
